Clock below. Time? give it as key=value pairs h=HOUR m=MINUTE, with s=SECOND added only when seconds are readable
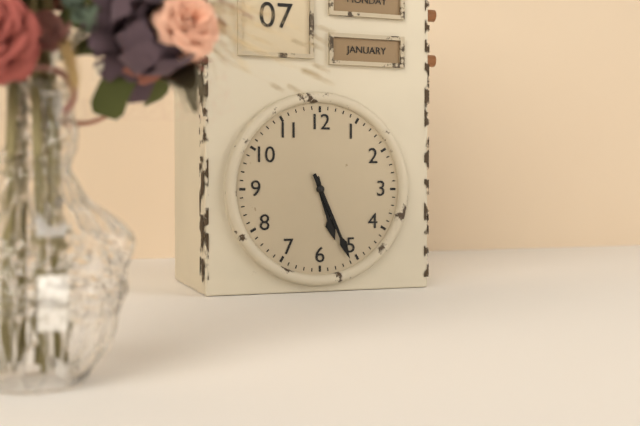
h=5 m=26
